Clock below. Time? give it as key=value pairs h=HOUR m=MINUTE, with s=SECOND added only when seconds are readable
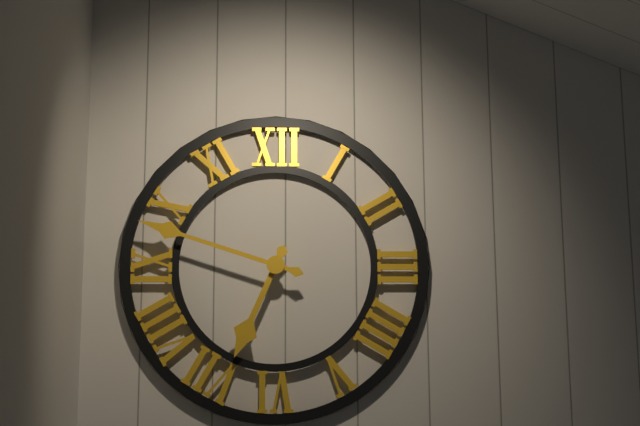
h=6 m=48
